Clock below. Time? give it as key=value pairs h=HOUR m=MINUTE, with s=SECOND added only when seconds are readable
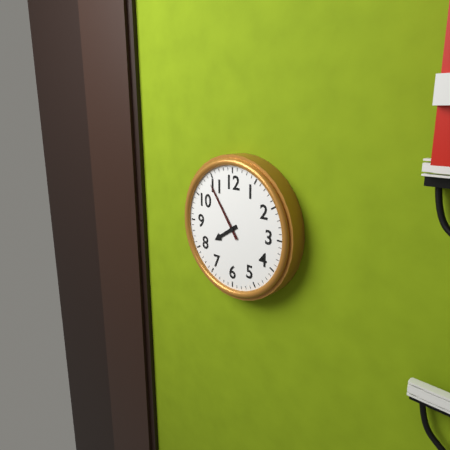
h=7 m=54
